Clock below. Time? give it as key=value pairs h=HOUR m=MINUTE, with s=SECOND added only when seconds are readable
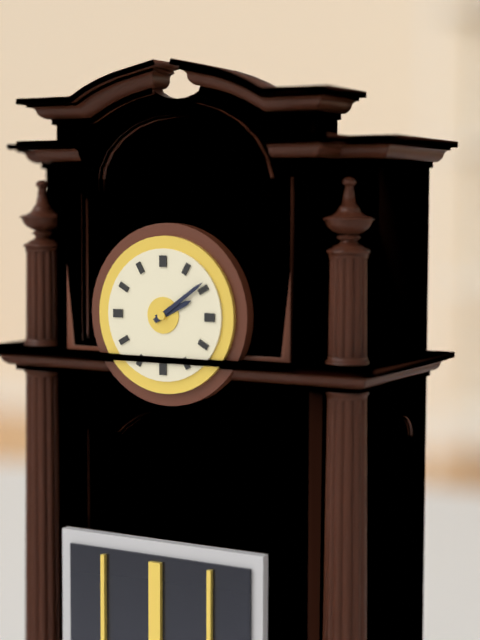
h=2 m=9
